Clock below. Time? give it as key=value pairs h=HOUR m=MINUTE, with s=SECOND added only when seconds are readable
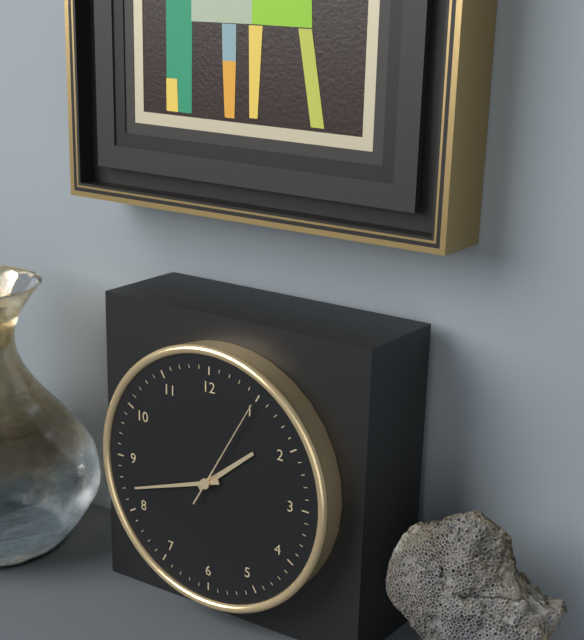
h=1 m=42 s=5
